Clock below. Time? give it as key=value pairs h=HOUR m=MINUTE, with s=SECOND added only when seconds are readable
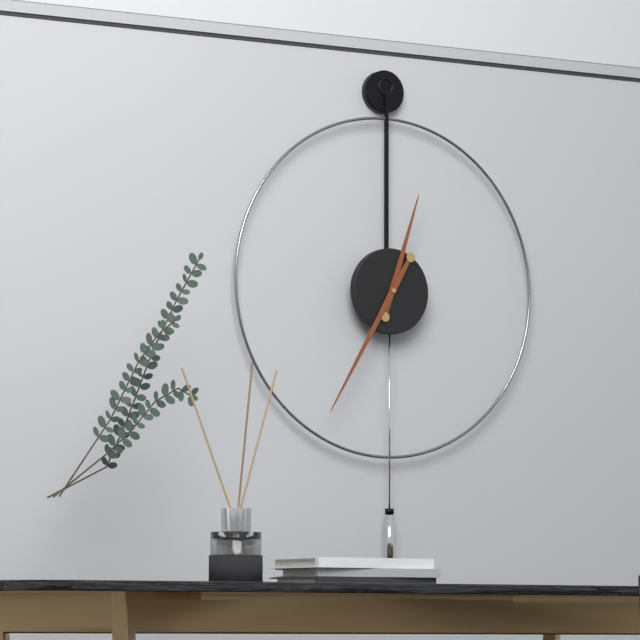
h=12 m=35
